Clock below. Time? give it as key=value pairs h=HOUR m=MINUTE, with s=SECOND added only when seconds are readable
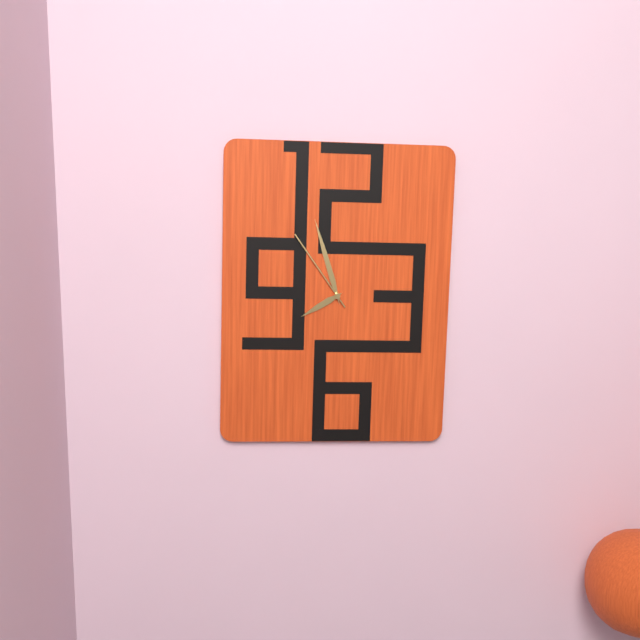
h=7 m=57 s=54
